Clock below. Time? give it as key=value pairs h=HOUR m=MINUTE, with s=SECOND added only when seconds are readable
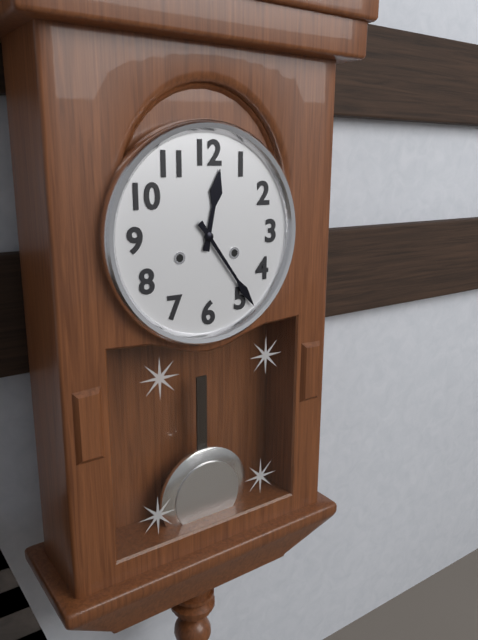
h=12 m=24
